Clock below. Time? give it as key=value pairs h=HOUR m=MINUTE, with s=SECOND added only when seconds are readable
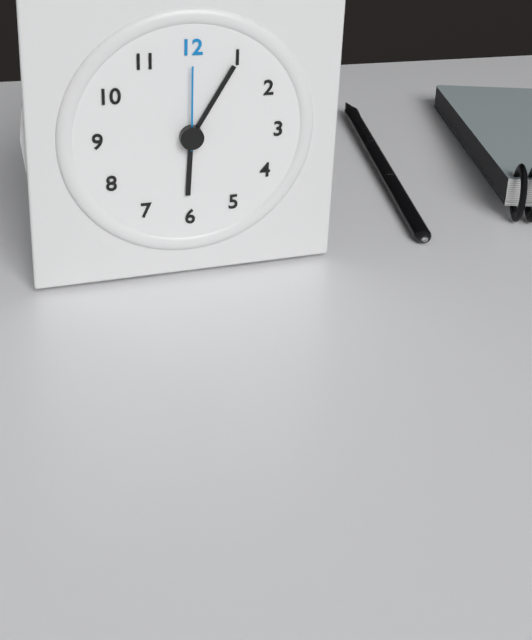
h=6 m=5 s=0
